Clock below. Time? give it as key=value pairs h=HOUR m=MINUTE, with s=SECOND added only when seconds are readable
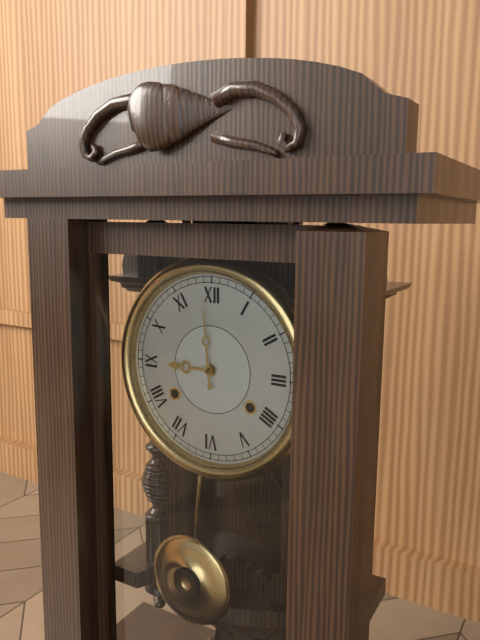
h=8 m=59
